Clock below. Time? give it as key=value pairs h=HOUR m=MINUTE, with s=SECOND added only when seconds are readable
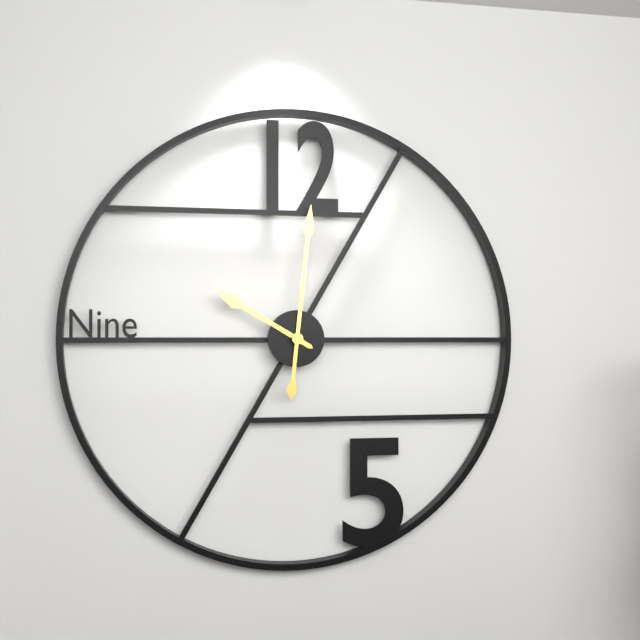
h=10 m=1
